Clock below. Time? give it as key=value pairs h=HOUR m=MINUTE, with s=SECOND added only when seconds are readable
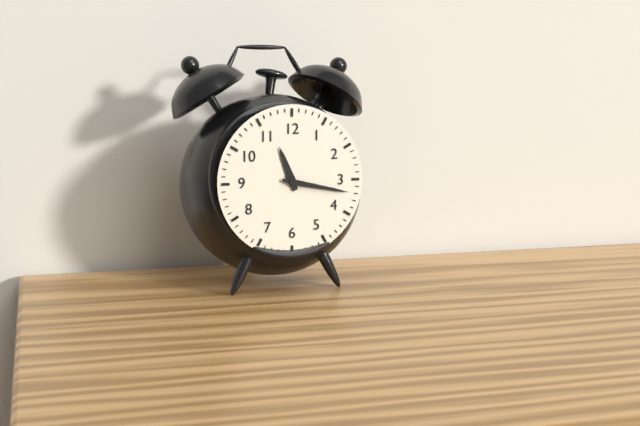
h=11 m=17
